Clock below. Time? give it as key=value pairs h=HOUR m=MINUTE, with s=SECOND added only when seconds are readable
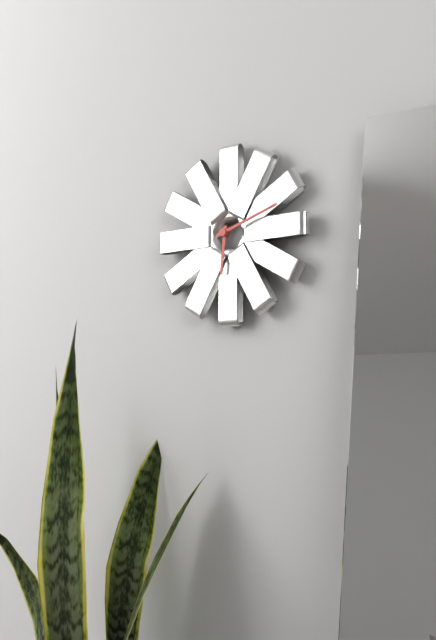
h=6 m=12
